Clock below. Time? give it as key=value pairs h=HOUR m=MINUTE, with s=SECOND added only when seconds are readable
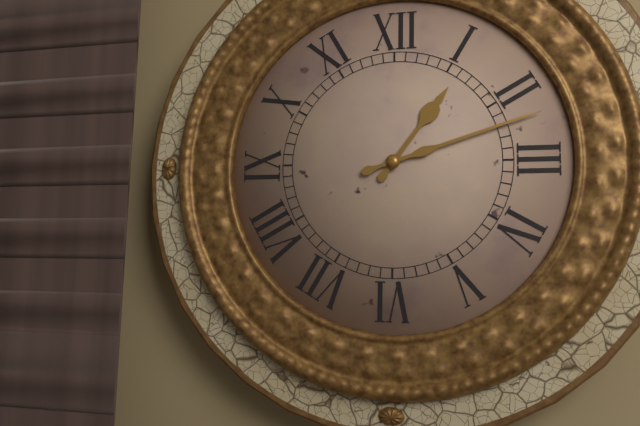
h=1 m=12
